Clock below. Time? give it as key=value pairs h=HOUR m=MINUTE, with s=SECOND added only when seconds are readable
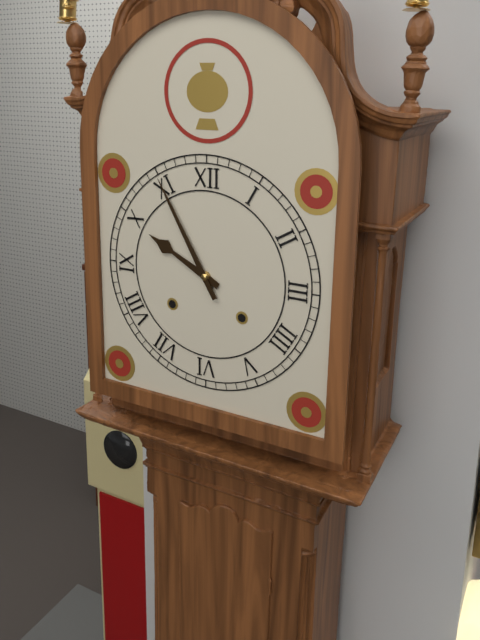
h=9 m=55
